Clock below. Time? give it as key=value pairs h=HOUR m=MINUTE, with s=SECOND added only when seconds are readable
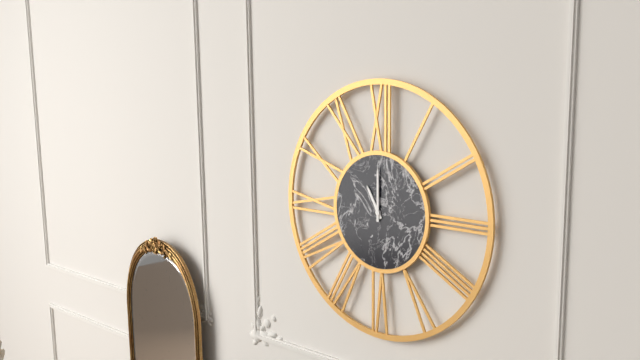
h=11 m=0
